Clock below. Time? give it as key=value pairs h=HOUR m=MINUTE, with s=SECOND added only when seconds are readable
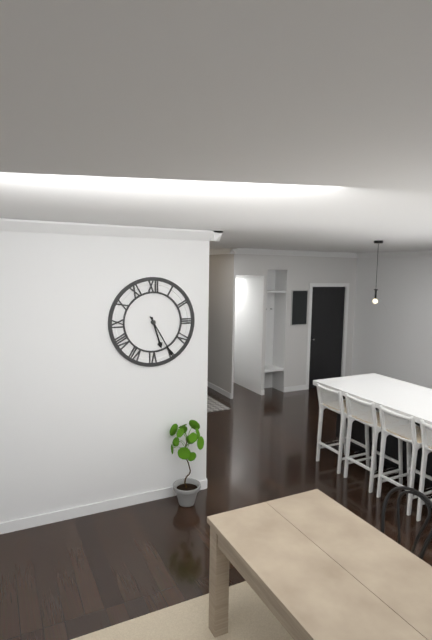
h=5 m=25
